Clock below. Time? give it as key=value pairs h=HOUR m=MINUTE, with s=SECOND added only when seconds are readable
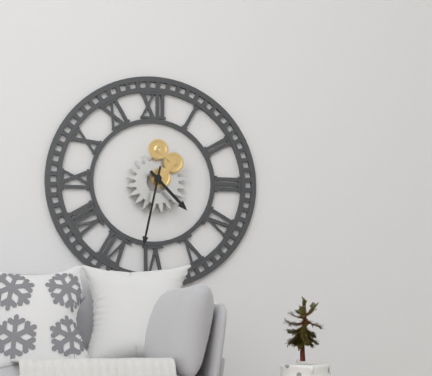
h=4 m=32
